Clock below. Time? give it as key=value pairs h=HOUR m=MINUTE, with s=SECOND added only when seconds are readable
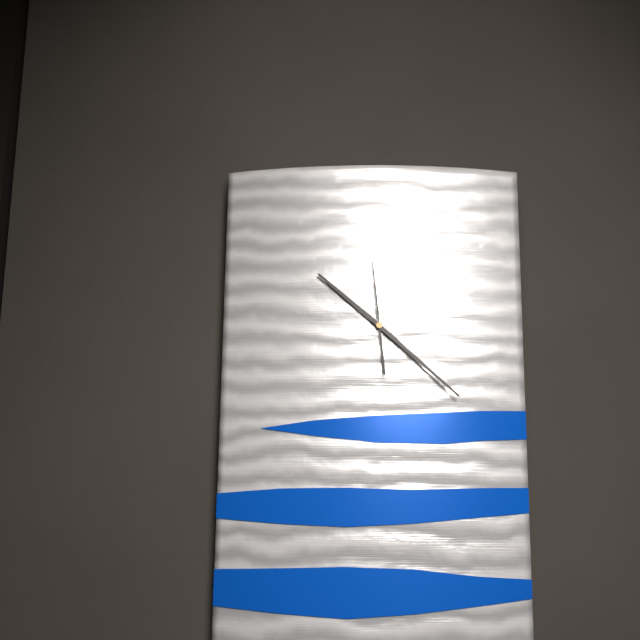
h=10 m=22 s=59
